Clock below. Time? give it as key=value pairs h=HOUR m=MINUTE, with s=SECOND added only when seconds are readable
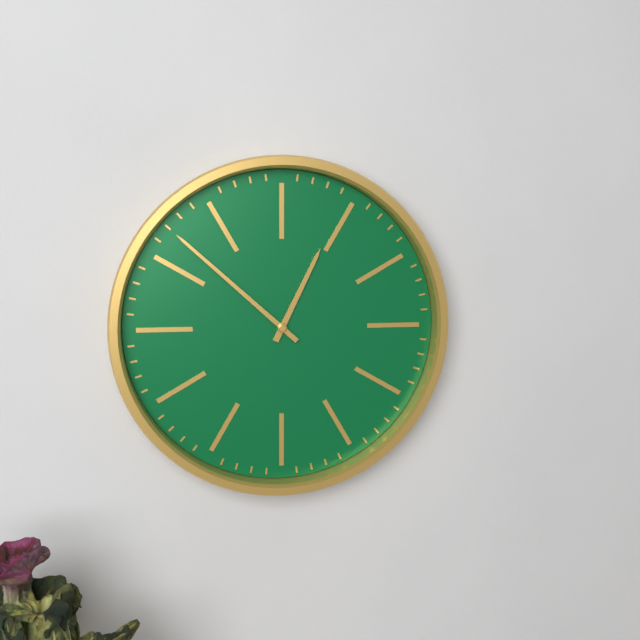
h=12 m=52
